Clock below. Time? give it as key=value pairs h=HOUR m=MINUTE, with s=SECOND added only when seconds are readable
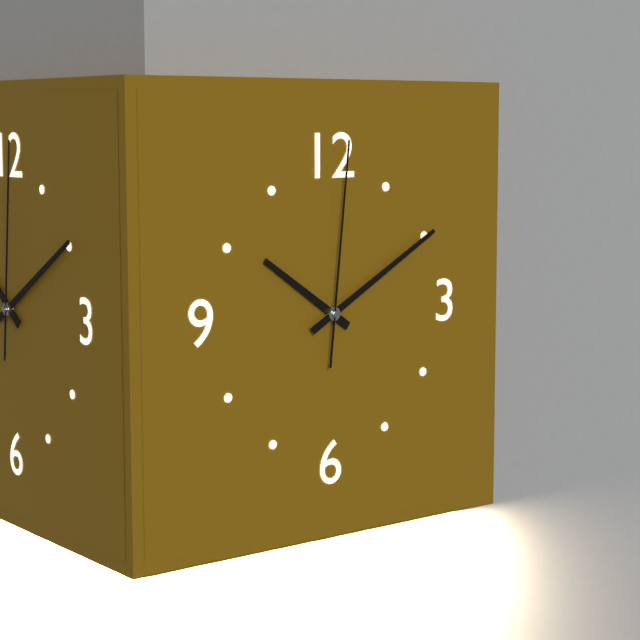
h=10 m=10 s=1
